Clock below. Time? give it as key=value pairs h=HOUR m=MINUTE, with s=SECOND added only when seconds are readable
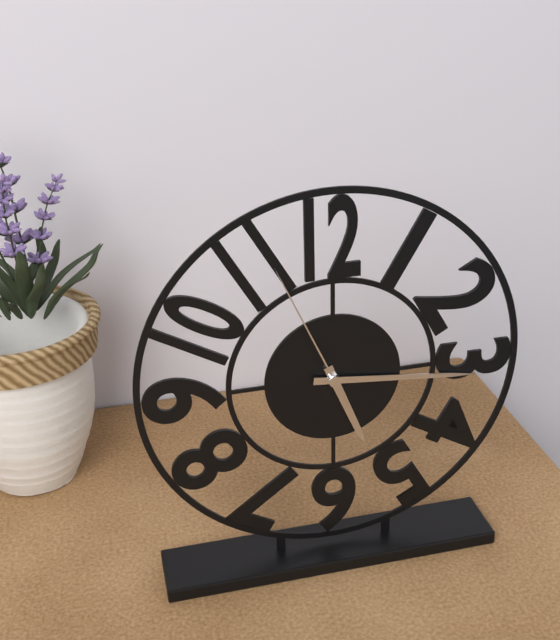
h=5 m=16 s=56
